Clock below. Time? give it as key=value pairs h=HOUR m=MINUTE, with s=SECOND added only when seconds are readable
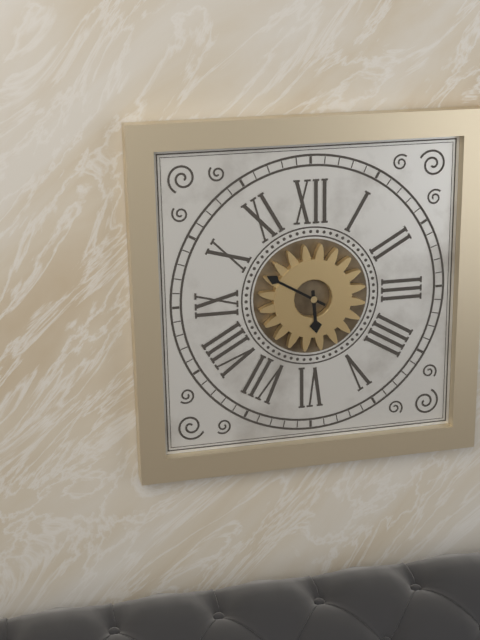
h=5 m=50
